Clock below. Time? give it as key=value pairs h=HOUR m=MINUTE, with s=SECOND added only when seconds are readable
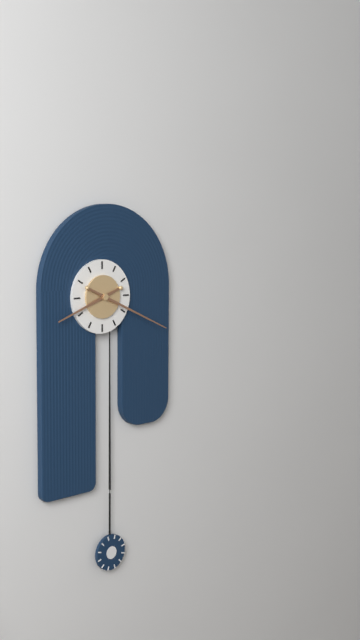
h=8 m=19
